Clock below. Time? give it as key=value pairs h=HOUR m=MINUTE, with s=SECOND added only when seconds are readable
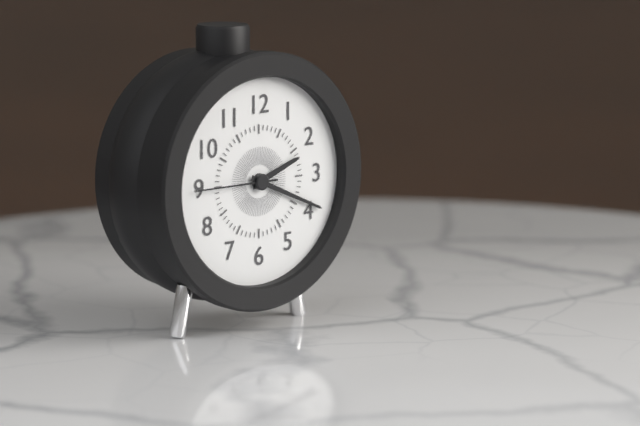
h=2 m=19 s=45
